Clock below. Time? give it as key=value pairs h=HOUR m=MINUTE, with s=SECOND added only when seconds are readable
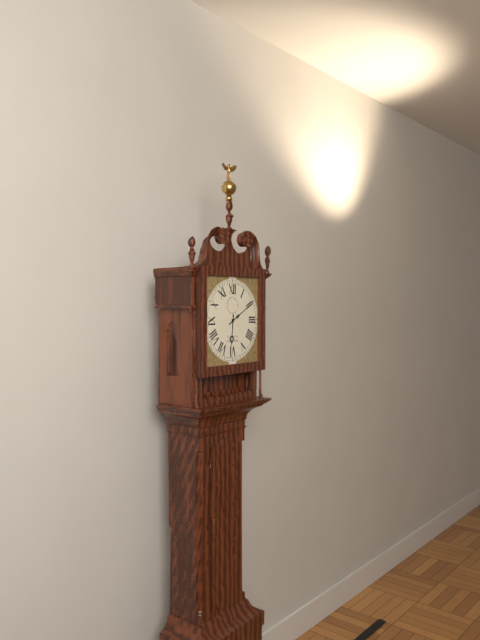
h=6 m=10
